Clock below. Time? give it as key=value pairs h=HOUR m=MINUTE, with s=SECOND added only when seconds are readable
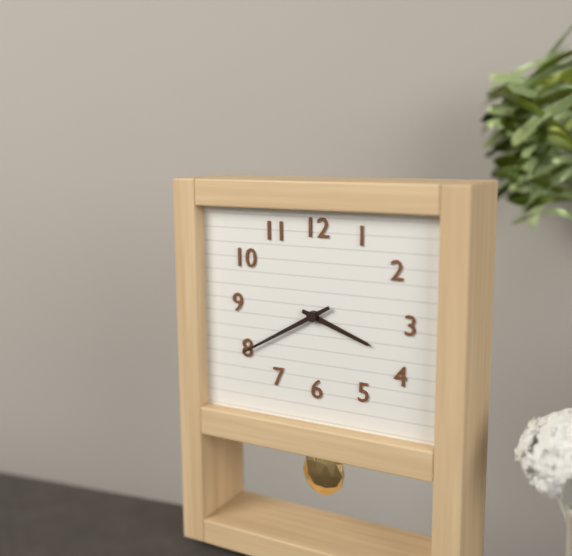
h=3 m=40
